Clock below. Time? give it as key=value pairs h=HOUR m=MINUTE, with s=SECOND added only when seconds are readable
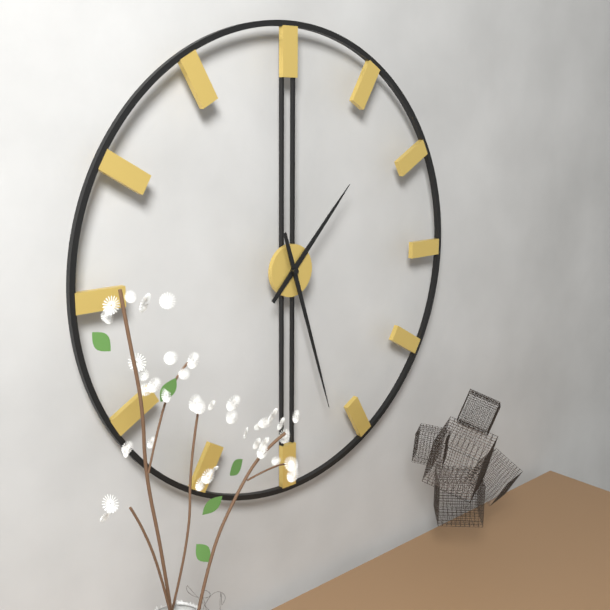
h=1 m=27
